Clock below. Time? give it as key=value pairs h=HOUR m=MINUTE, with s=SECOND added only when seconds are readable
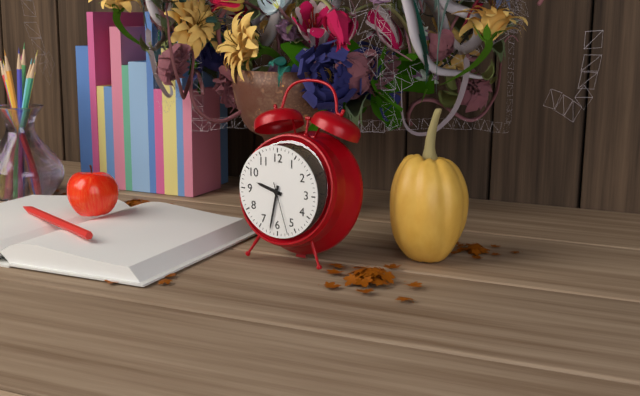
h=9 m=32 s=27
